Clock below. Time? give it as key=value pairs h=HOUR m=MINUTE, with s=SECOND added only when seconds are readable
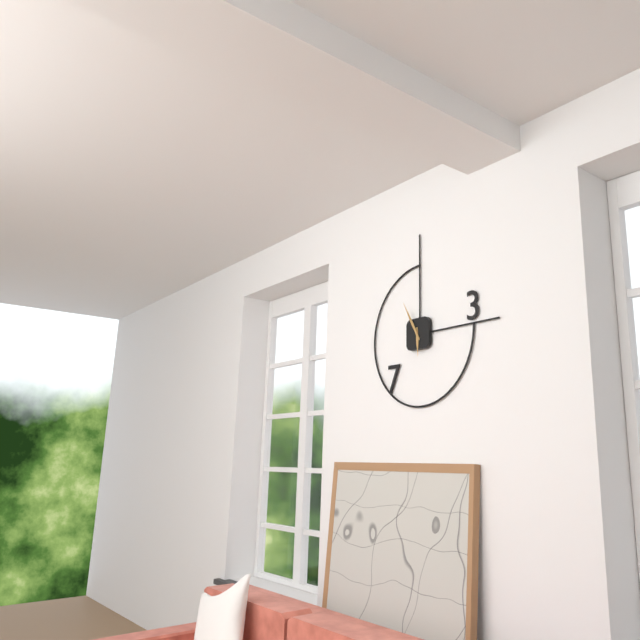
h=5 m=55
